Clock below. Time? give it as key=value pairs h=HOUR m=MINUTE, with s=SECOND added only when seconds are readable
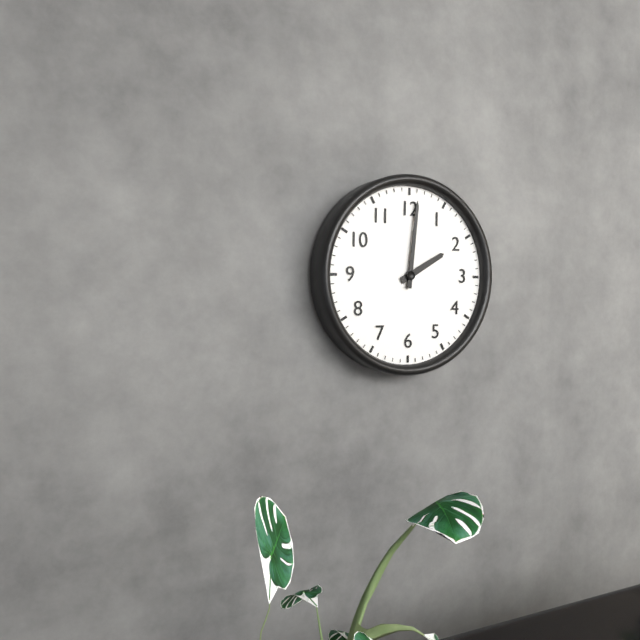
h=2 m=1
